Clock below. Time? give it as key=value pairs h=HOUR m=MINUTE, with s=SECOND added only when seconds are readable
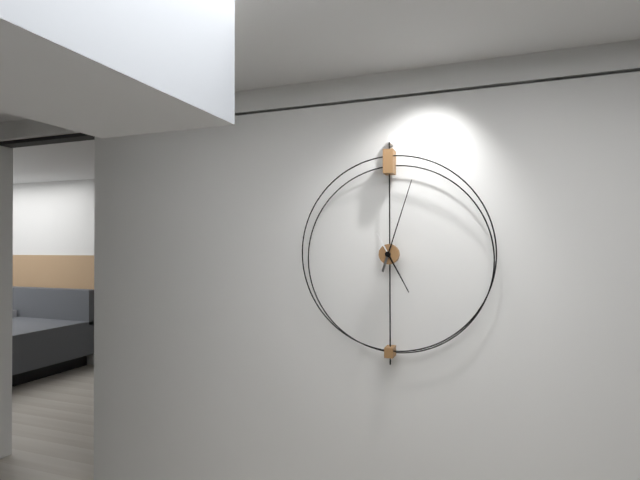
h=5 m=3
